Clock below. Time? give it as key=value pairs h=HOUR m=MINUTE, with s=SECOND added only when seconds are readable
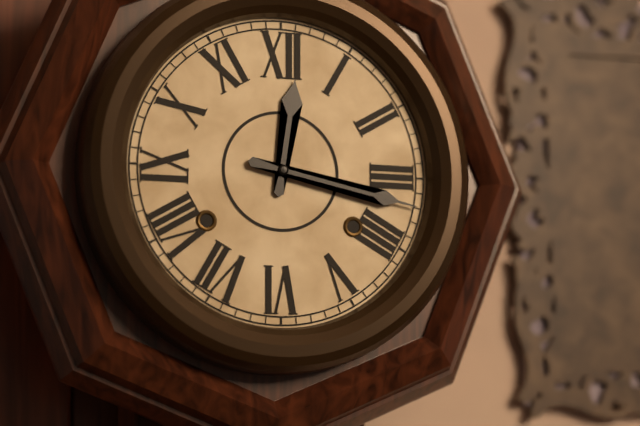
h=12 m=17
